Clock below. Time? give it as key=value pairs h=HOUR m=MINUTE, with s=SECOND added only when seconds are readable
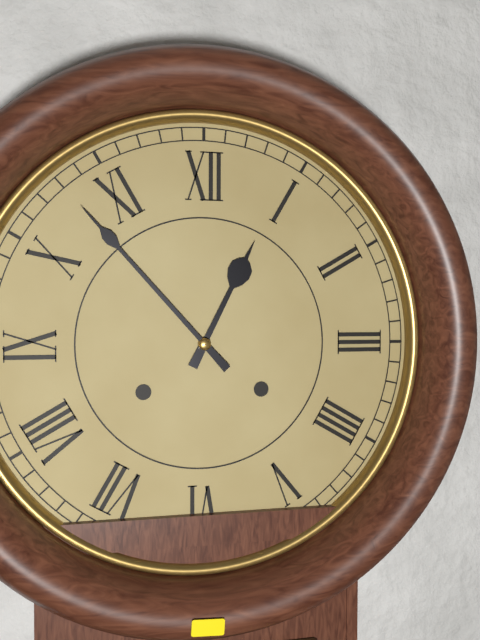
h=12 m=53
